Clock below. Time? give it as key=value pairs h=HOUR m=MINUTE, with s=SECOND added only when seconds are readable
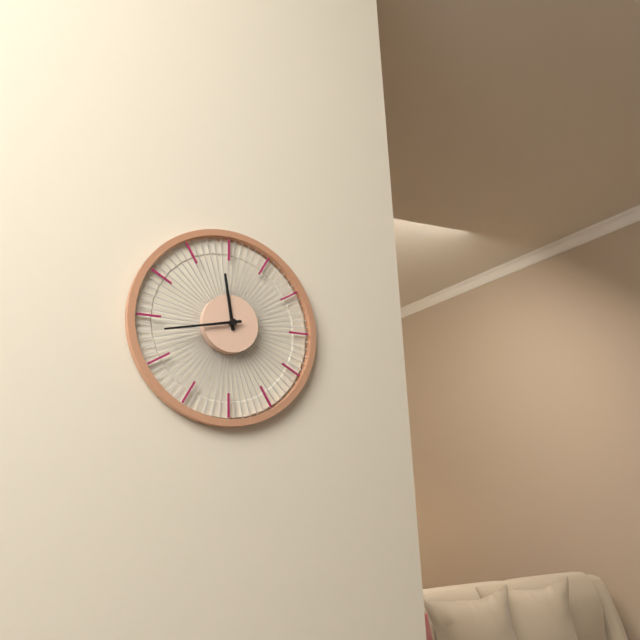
h=11 m=43
